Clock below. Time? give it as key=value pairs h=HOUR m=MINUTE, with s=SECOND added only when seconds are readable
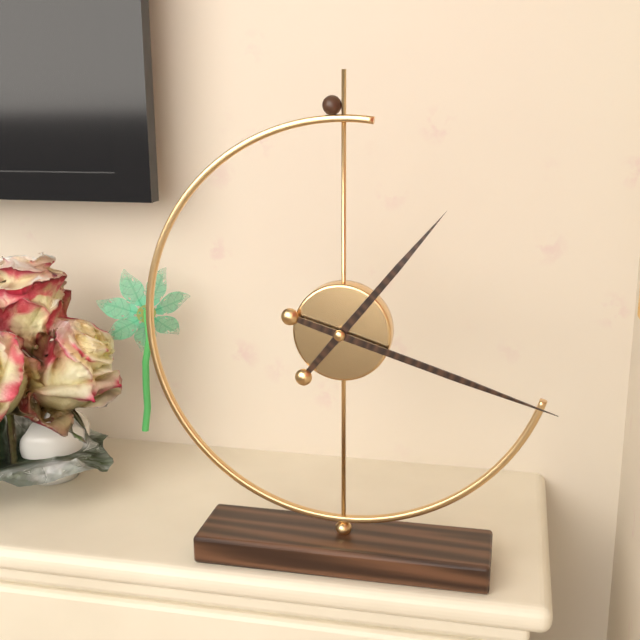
h=1 m=18
